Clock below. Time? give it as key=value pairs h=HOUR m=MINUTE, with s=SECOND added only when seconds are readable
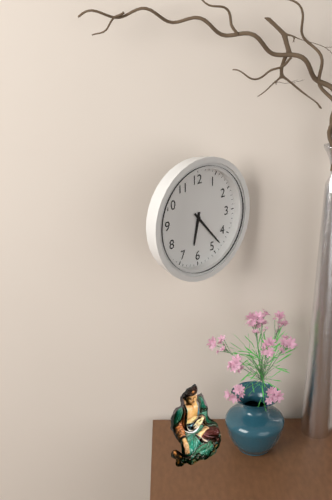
h=6 m=23
